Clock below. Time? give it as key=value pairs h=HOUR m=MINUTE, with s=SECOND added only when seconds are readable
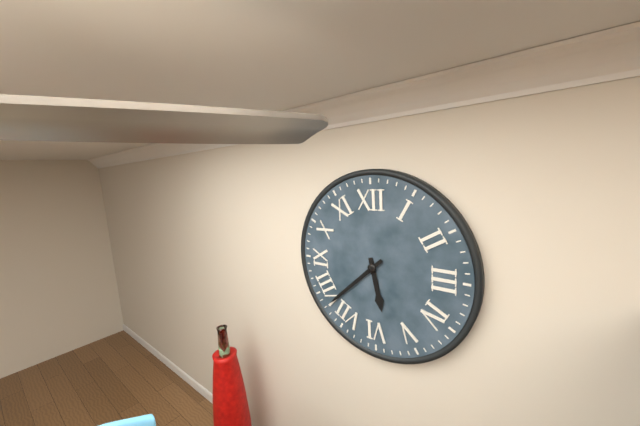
h=5 m=38
